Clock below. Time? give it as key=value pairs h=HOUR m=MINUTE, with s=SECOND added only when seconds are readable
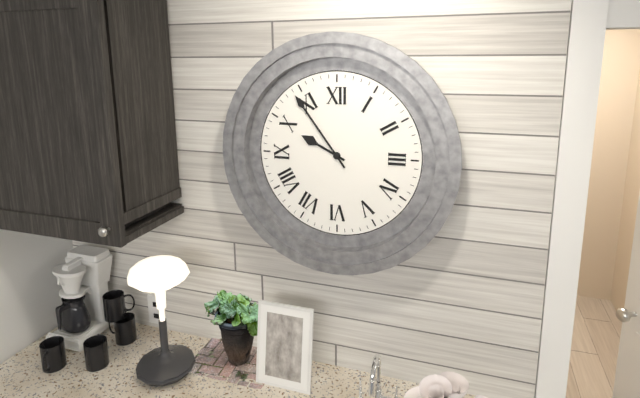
h=9 m=54
